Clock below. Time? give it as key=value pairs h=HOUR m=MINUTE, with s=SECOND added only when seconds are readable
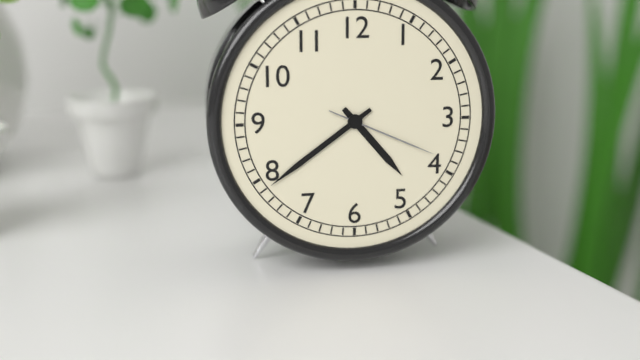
h=4 m=39 s=19
